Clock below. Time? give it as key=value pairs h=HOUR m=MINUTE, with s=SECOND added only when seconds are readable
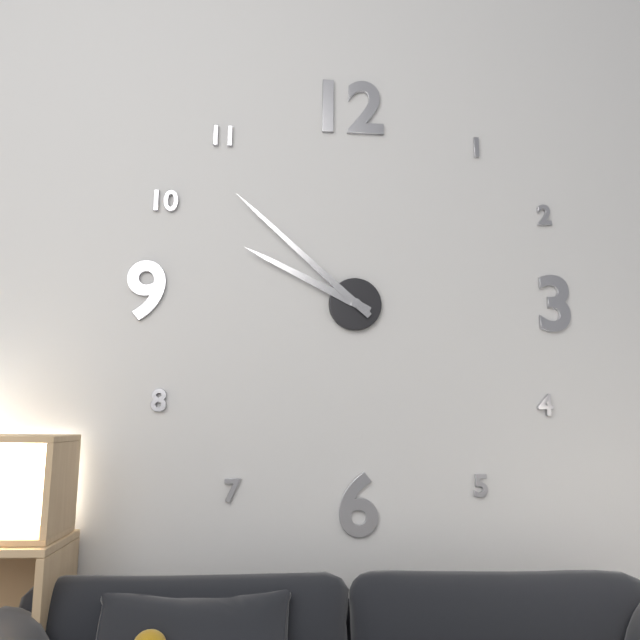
h=9 m=52
